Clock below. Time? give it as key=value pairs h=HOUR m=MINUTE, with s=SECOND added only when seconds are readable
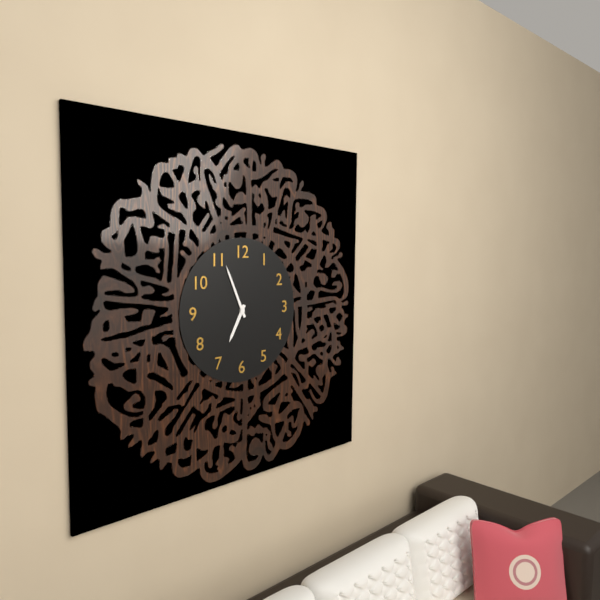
h=6 m=56
